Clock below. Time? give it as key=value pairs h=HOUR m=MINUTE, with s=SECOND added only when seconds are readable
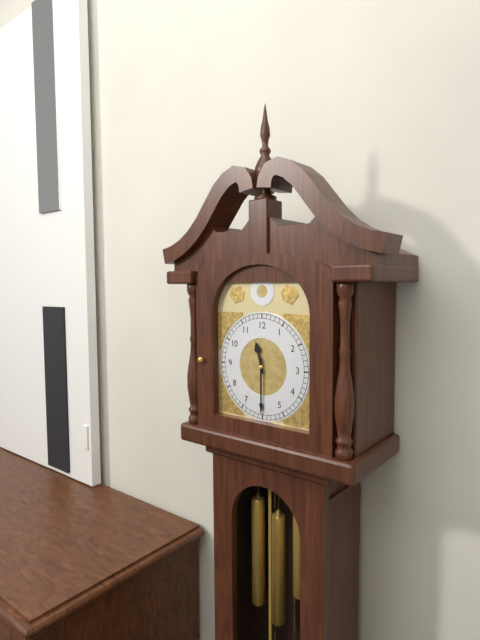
h=11 m=30
